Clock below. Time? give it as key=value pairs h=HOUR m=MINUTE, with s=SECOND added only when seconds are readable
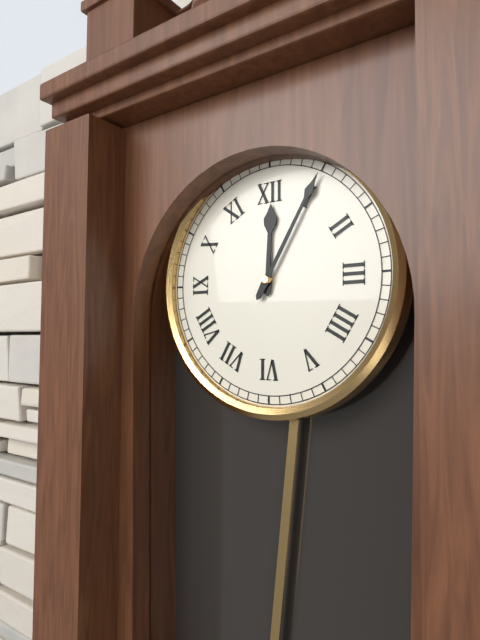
h=12 m=5
